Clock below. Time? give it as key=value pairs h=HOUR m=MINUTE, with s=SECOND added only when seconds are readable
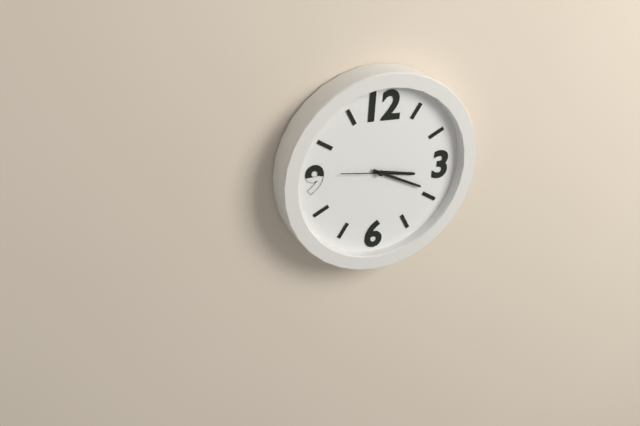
h=3 m=19
